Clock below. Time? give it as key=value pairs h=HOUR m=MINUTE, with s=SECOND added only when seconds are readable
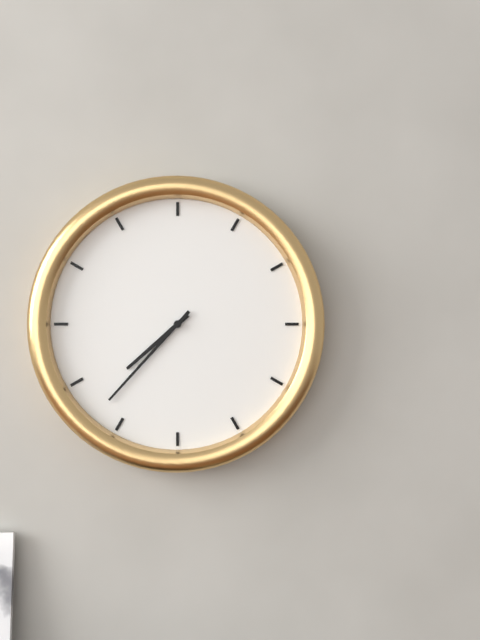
h=7 m=37
